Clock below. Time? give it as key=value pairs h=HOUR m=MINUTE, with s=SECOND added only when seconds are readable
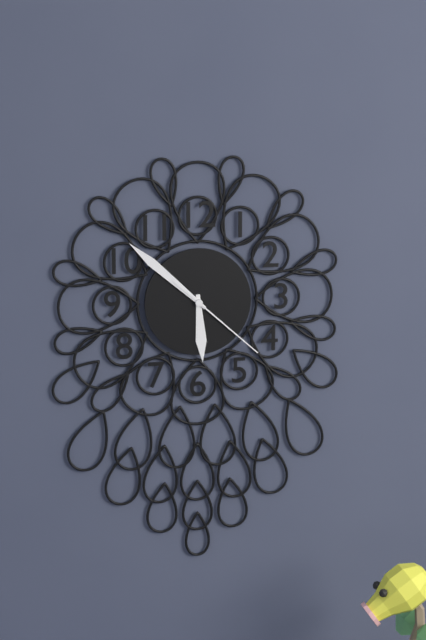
h=5 m=52 s=22
